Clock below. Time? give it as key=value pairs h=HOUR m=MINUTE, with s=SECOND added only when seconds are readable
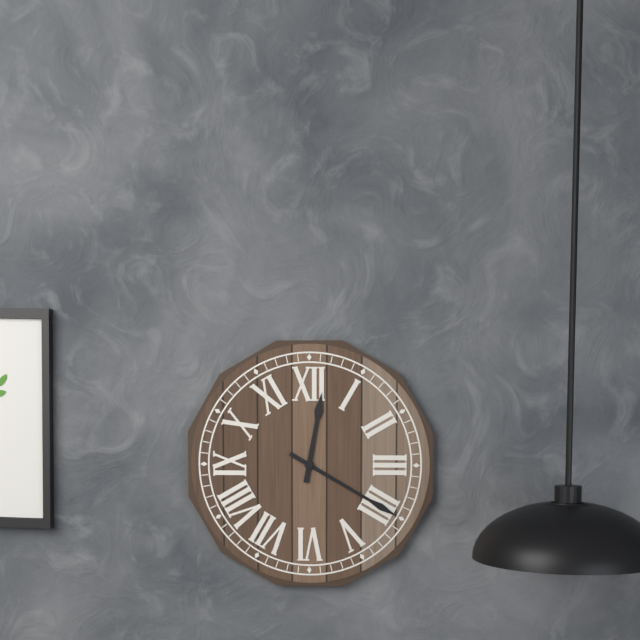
h=12 m=20
